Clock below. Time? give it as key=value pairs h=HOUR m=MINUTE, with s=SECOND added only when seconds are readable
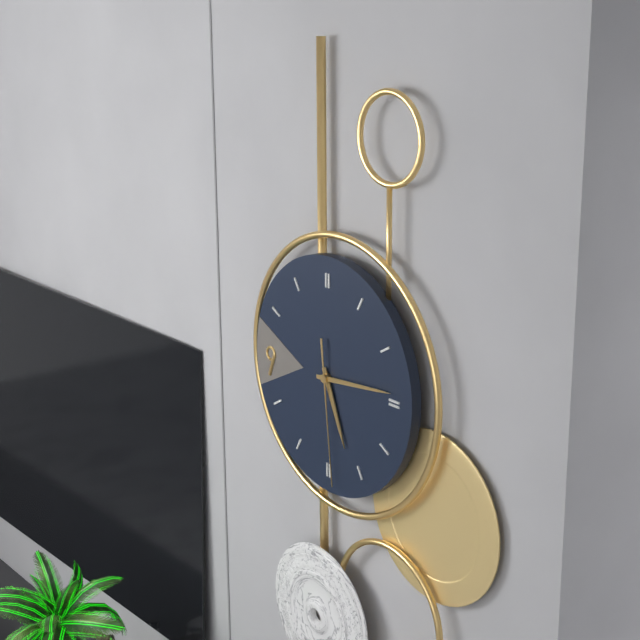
h=5 m=14 s=29
